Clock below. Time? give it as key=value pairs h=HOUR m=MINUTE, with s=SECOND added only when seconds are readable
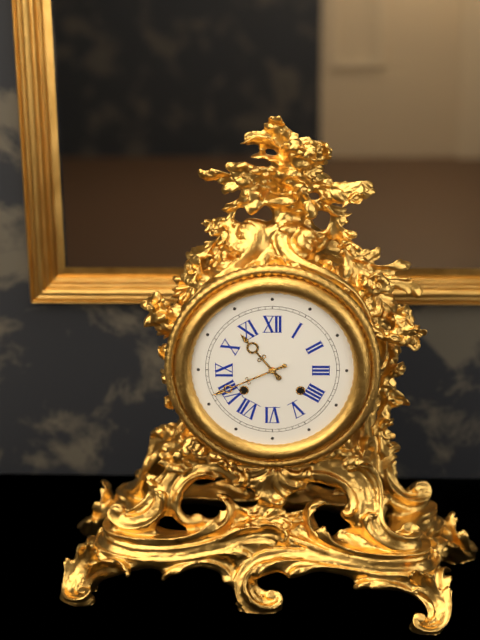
h=10 m=41
